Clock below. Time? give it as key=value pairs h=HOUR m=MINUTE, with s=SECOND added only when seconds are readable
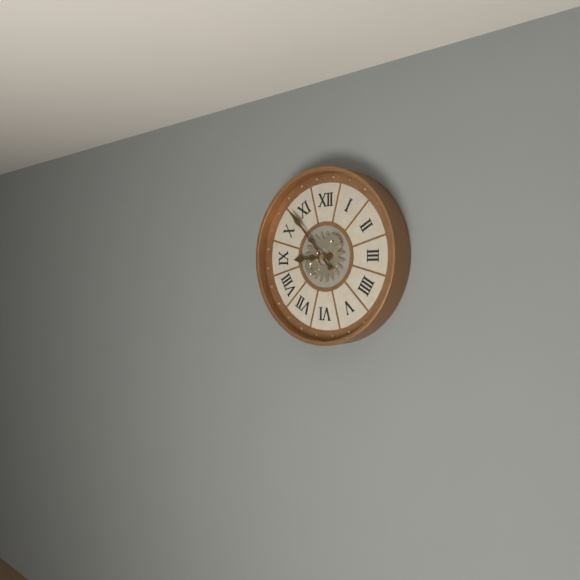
h=8 m=53
